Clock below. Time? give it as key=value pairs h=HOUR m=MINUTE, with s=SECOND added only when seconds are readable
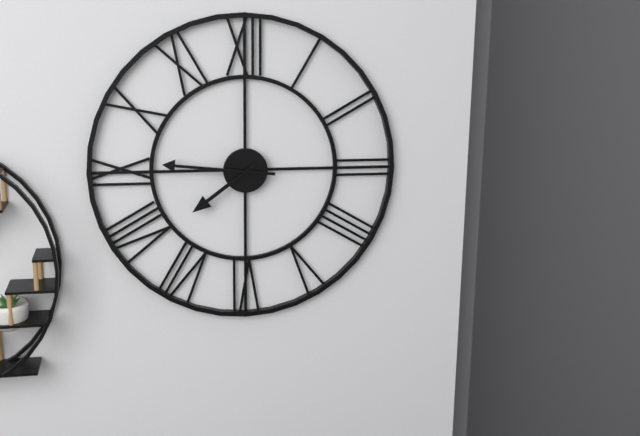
h=7 m=46
